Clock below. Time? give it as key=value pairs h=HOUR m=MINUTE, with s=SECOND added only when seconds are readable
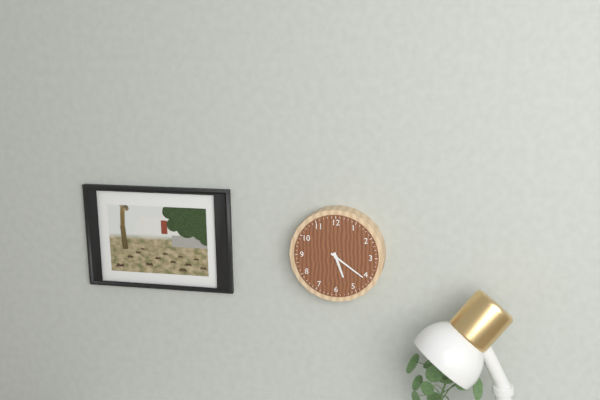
h=5 m=21
